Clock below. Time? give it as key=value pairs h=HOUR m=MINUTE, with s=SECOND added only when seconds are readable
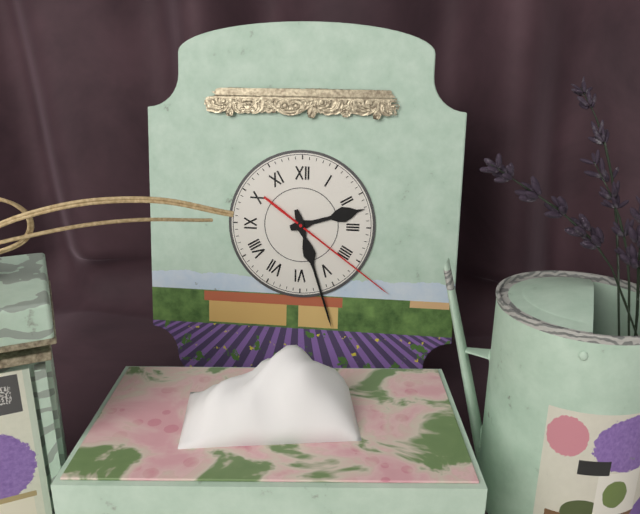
h=2 m=27 s=21
